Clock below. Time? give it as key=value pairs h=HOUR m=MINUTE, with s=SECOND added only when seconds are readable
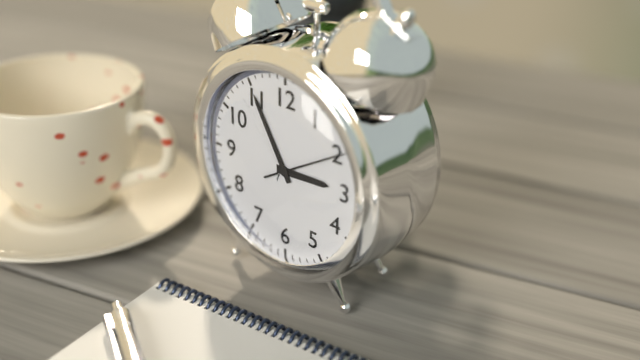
h=2 m=55 s=10
